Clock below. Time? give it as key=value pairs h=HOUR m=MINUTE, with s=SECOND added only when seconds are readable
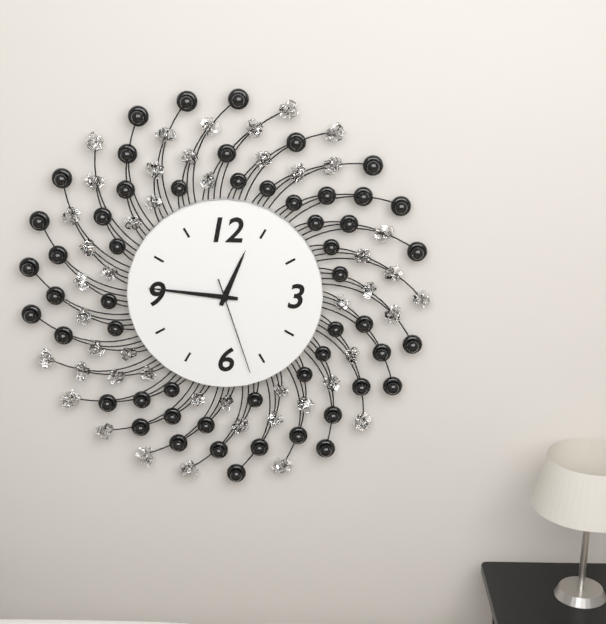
h=12 m=46 s=27
